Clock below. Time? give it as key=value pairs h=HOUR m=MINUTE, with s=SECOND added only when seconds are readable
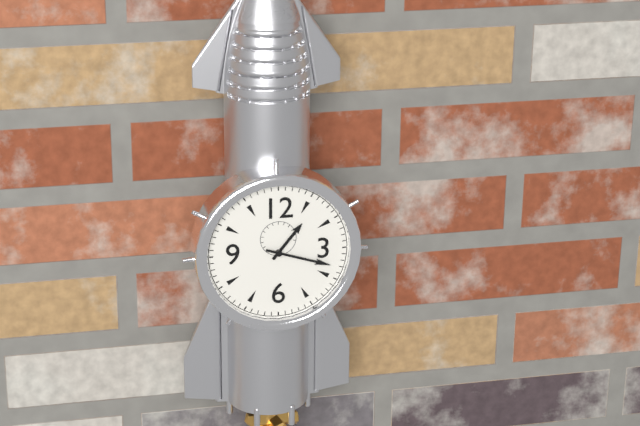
h=1 m=18
